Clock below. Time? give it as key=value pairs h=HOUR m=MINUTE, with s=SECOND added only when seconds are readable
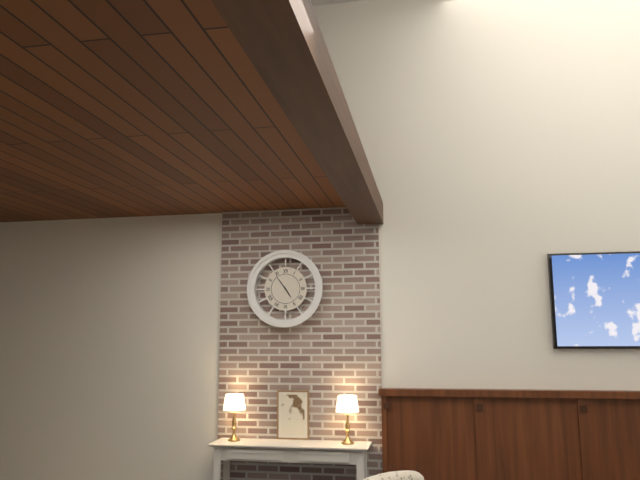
h=4 m=54
